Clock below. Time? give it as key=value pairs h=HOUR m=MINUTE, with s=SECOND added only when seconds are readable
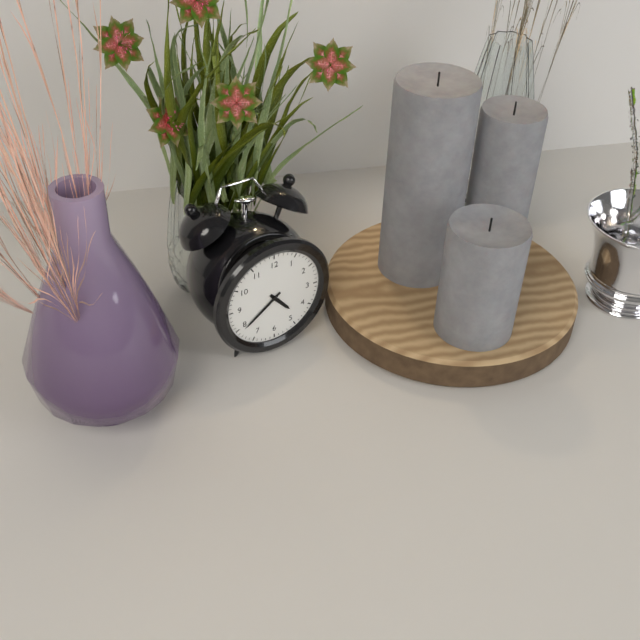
h=4 m=39
